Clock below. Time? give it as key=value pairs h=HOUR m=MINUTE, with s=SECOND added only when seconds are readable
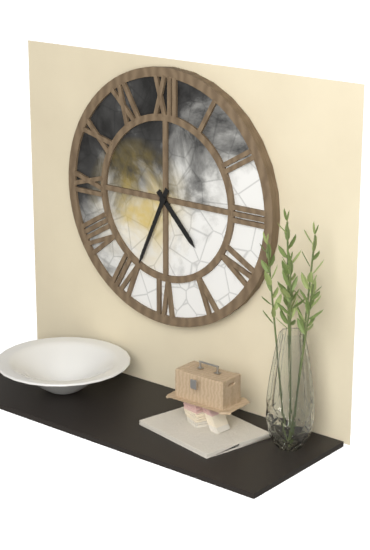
h=4 m=34
